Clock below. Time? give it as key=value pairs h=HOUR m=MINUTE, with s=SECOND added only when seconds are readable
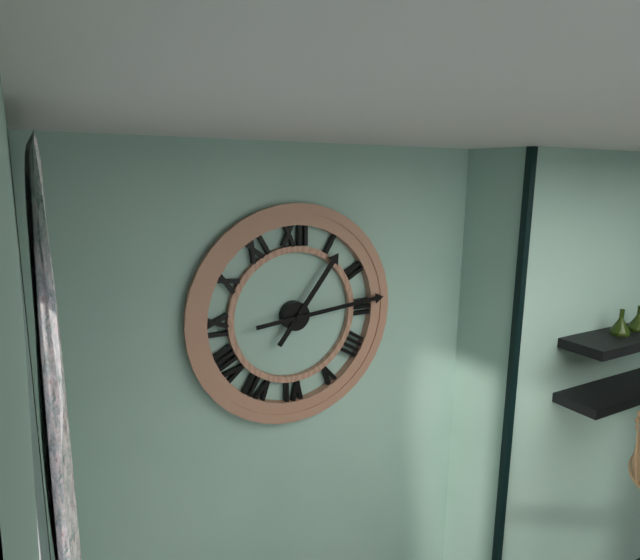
h=1 m=14
